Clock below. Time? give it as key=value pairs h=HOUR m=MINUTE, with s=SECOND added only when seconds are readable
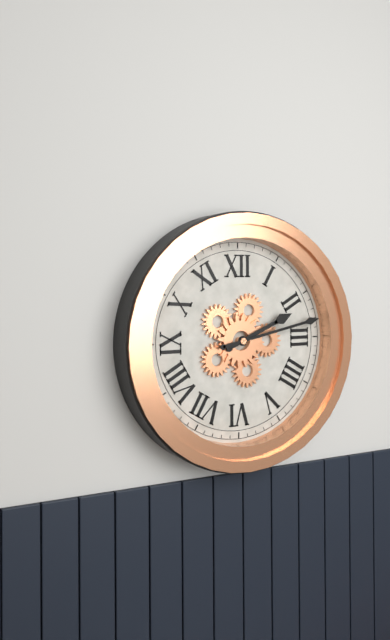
h=2 m=13
